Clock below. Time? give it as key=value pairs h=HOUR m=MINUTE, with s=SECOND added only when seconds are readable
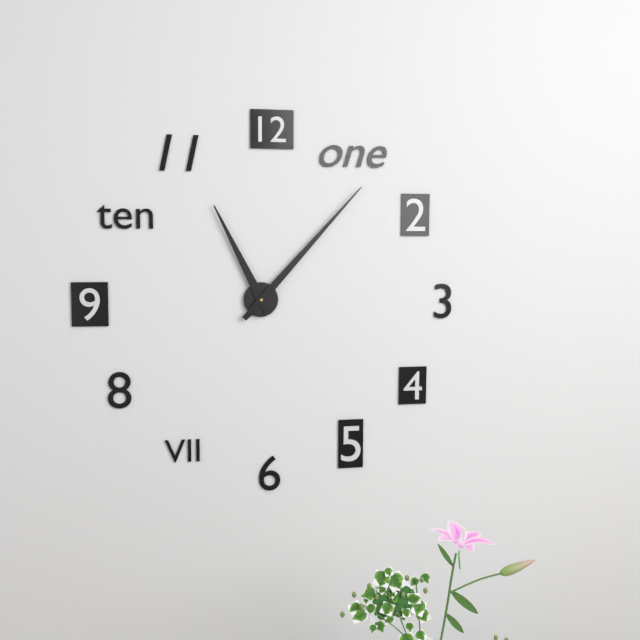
h=11 m=7
